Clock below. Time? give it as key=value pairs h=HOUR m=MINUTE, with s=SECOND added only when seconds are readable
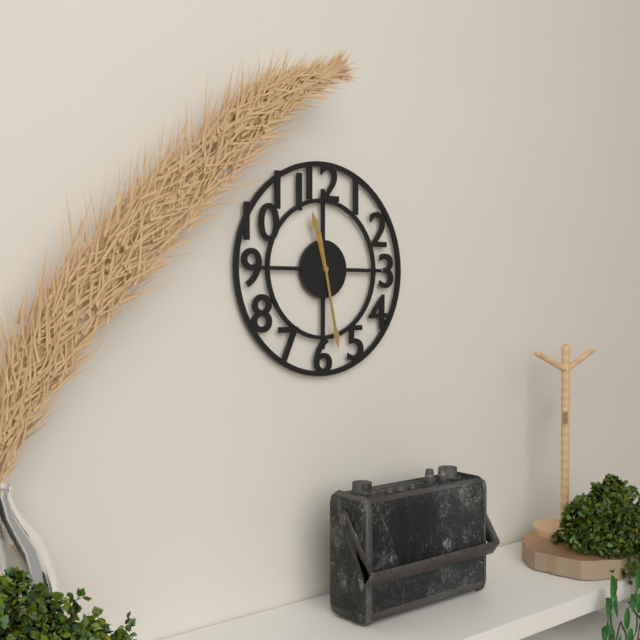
h=11 m=28
